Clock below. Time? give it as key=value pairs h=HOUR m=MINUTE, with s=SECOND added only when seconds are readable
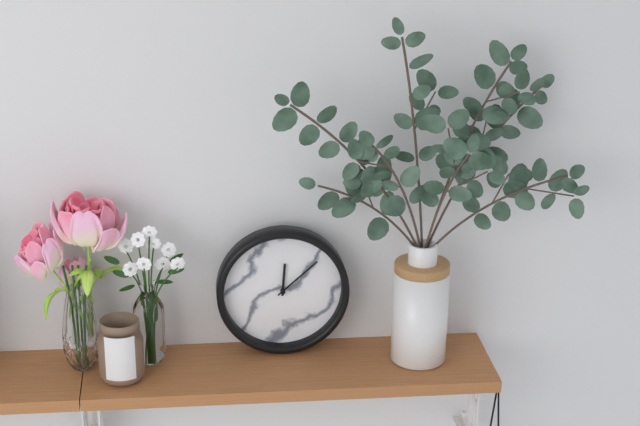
h=12 m=8
